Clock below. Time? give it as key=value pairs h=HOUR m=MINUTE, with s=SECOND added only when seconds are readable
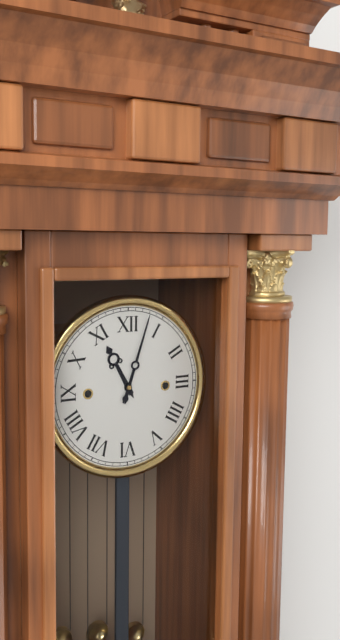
h=11 m=3
